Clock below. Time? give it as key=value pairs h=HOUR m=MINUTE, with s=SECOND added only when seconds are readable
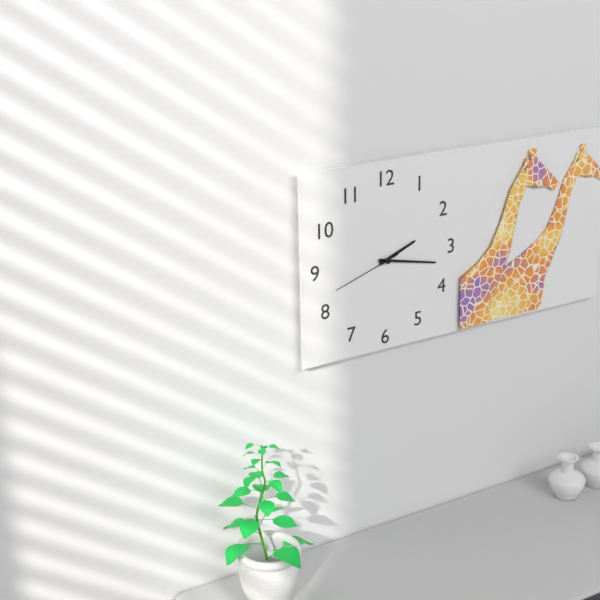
h=2 m=17 s=42
